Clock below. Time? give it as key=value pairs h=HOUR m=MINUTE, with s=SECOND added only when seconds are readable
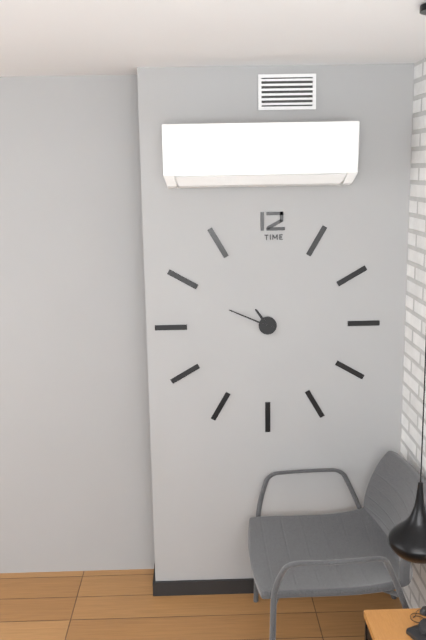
h=10 m=49
